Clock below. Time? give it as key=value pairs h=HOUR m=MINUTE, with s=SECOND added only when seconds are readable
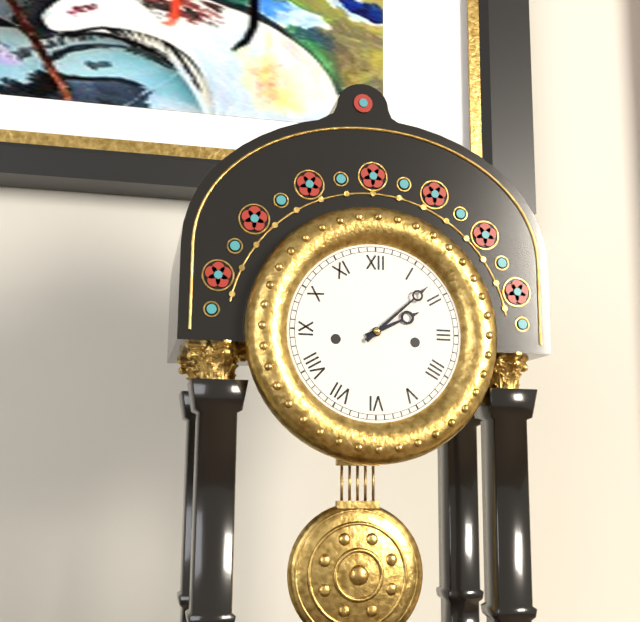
h=2 m=8
